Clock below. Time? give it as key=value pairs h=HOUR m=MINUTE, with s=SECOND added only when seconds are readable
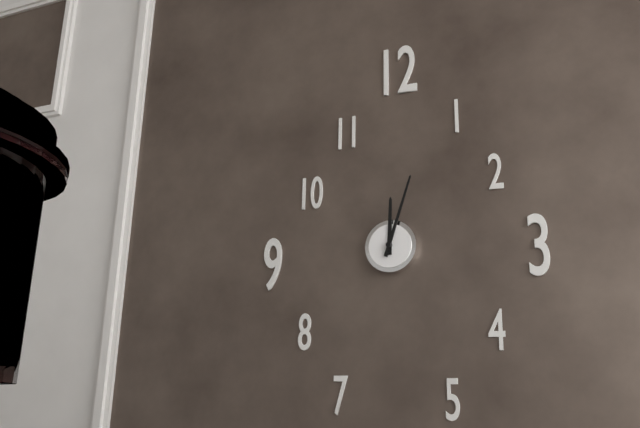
h=12 m=3
